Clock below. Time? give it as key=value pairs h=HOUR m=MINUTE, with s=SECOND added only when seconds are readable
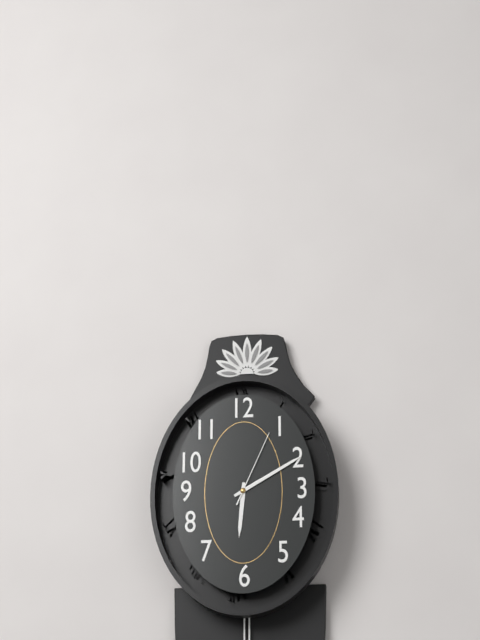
h=6 m=10 s=4
